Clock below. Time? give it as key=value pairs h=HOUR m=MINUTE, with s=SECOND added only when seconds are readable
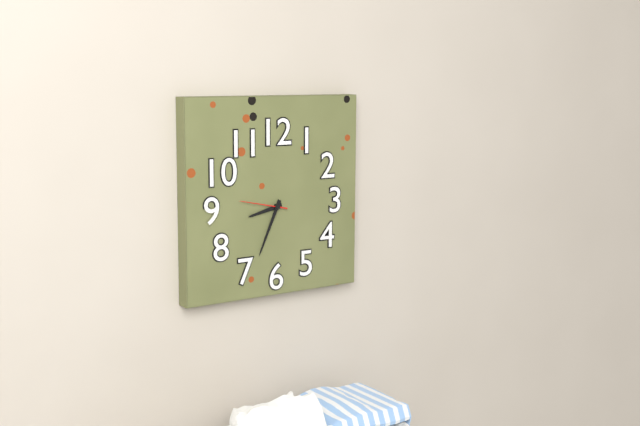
h=8 m=34
